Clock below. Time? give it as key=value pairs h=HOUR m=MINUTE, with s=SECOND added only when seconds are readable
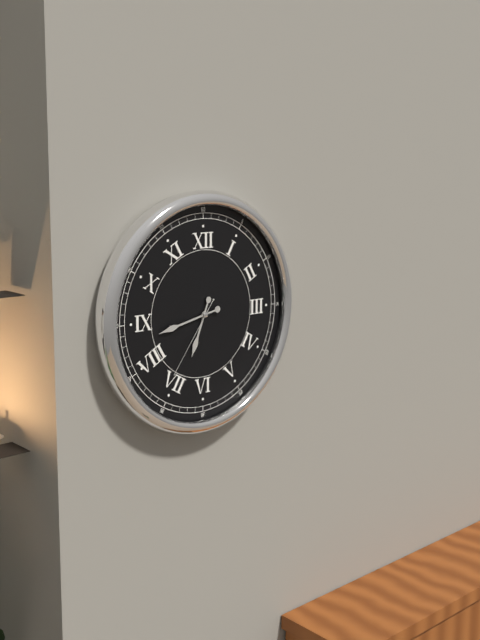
h=6 m=43 s=36
